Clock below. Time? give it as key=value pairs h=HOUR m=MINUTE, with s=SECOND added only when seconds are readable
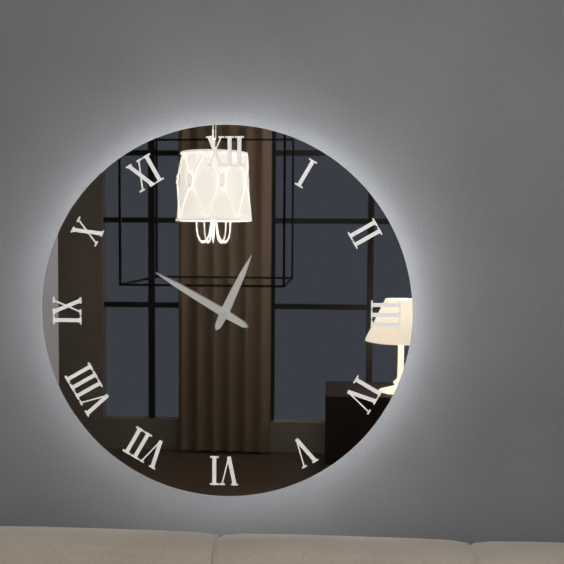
h=12 m=50
